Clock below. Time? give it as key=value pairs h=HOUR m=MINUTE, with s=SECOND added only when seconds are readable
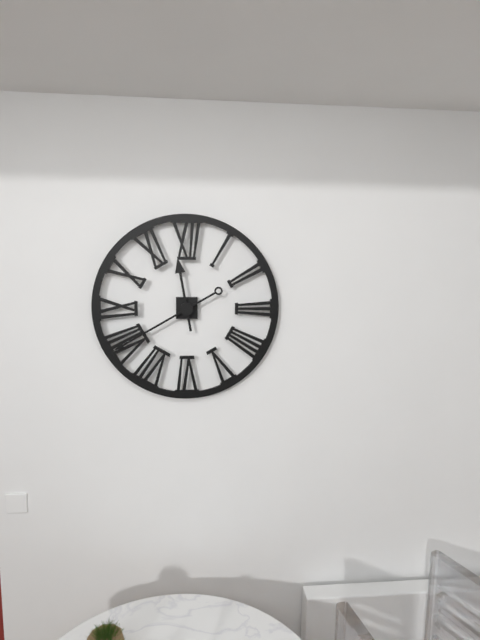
h=11 m=40
